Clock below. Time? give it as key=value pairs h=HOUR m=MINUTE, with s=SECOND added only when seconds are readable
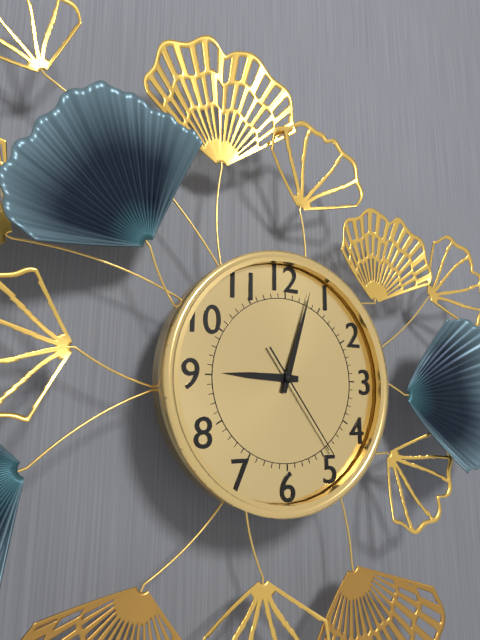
h=9 m=3 s=24
